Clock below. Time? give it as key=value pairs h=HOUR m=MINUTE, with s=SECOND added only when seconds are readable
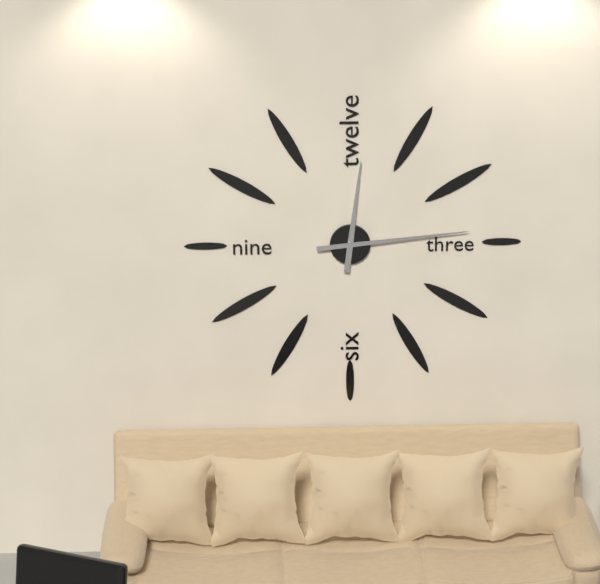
h=12 m=14
